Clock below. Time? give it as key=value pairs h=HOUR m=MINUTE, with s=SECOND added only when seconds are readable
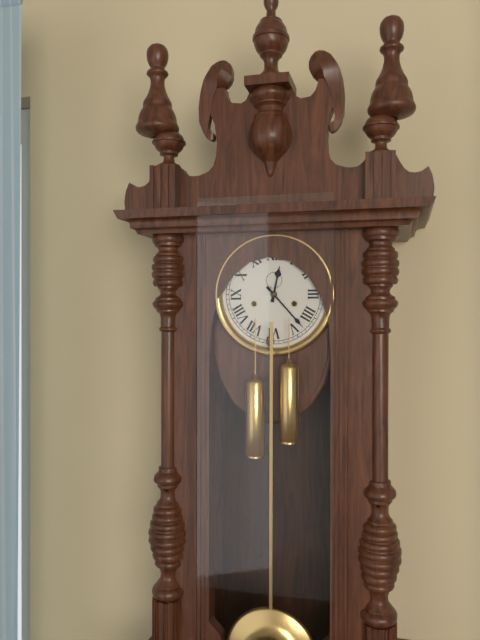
h=12 m=23
